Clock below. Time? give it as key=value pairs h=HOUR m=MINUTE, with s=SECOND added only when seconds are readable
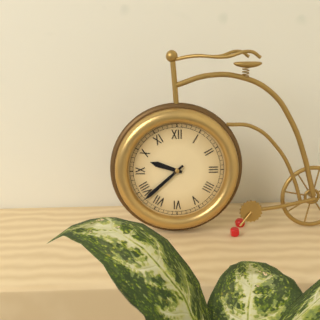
h=9 m=38
